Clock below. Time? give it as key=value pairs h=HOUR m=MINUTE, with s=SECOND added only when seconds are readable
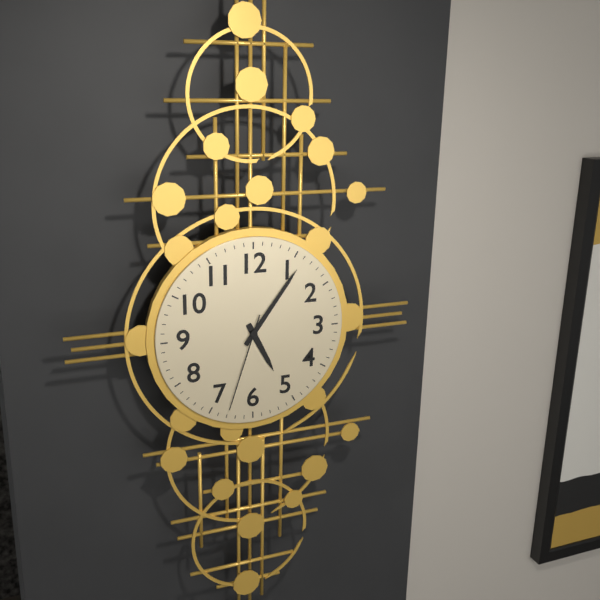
h=5 m=6 s=33
